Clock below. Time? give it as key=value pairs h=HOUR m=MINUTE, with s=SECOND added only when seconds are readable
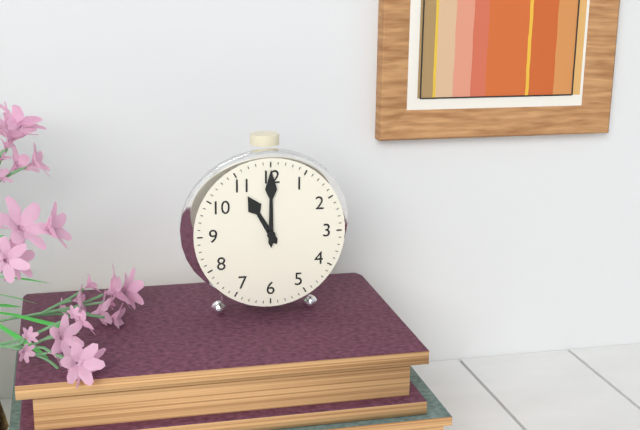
h=11 m=0
